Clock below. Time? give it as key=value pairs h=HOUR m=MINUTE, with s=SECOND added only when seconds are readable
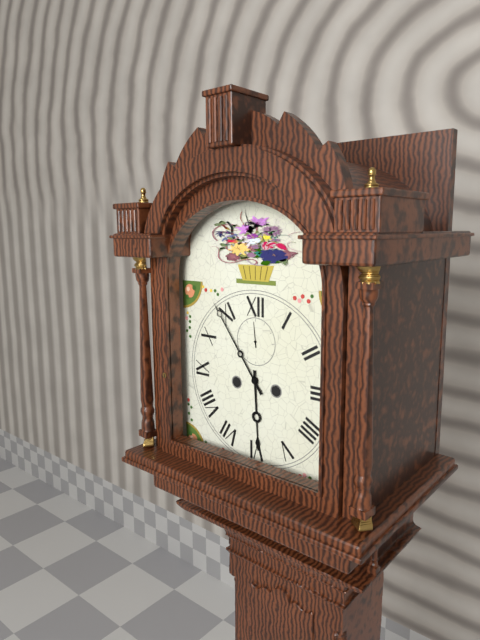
h=5 m=54
